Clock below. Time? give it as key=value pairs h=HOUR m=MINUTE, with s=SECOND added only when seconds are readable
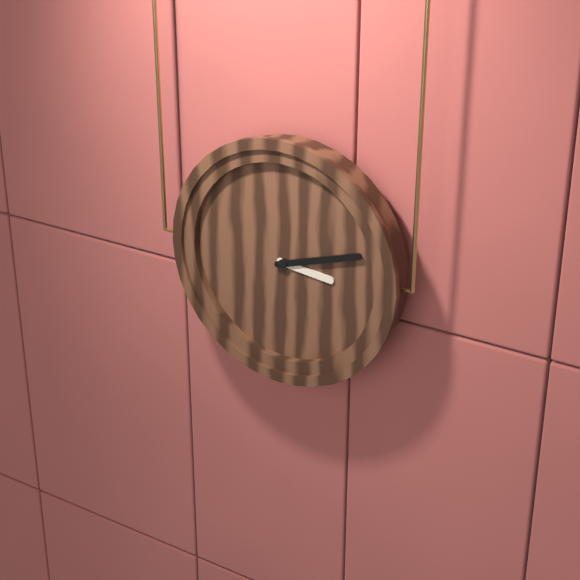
h=3 m=12
